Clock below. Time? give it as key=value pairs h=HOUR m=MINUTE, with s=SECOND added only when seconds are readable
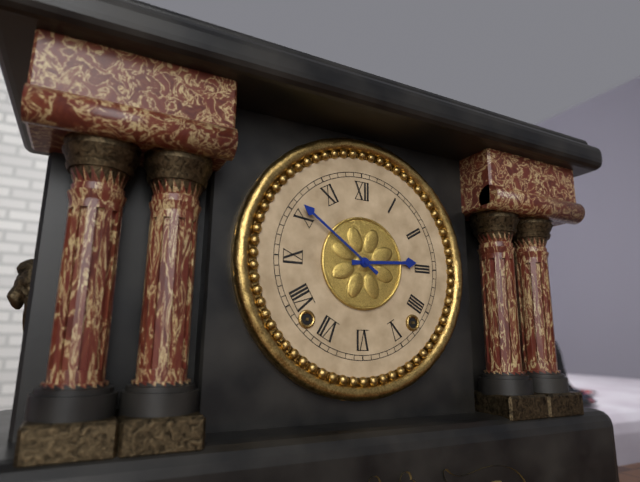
h=2 m=51
